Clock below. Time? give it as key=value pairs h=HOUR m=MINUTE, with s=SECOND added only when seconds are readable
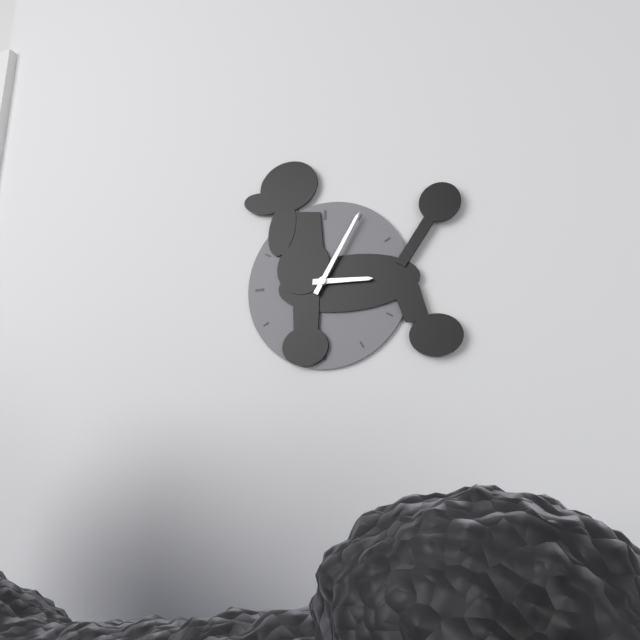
h=3 m=5
